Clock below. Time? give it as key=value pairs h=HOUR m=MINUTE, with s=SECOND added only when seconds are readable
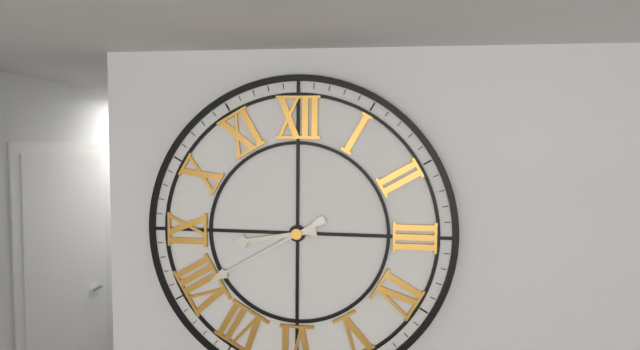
h=8 m=40
